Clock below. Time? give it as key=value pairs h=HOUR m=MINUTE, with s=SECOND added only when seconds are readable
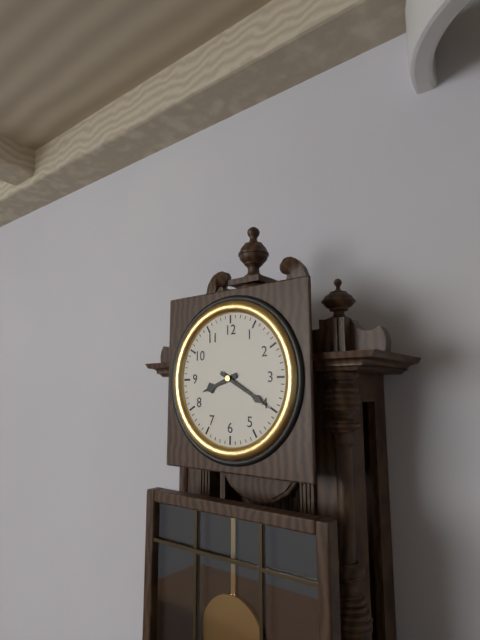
h=8 m=20
